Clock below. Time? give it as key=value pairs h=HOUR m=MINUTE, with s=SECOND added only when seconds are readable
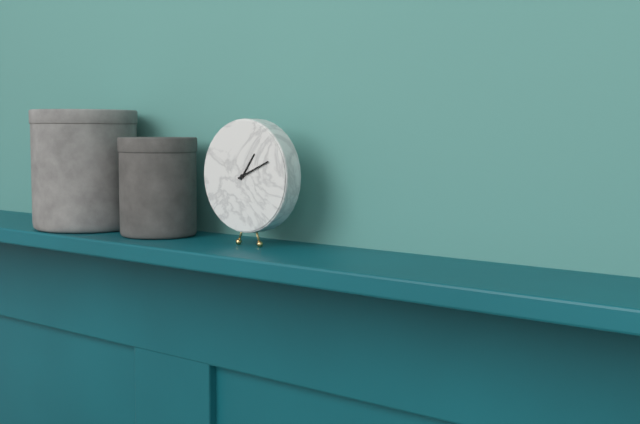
h=1 m=11
